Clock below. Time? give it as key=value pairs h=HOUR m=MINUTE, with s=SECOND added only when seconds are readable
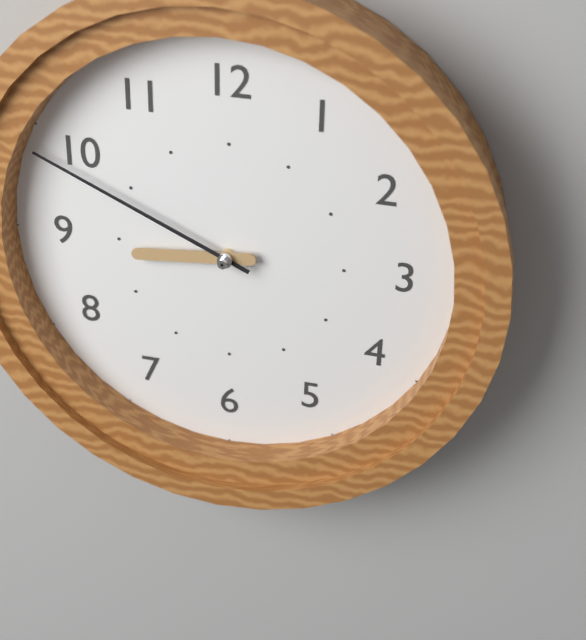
h=8 m=49
